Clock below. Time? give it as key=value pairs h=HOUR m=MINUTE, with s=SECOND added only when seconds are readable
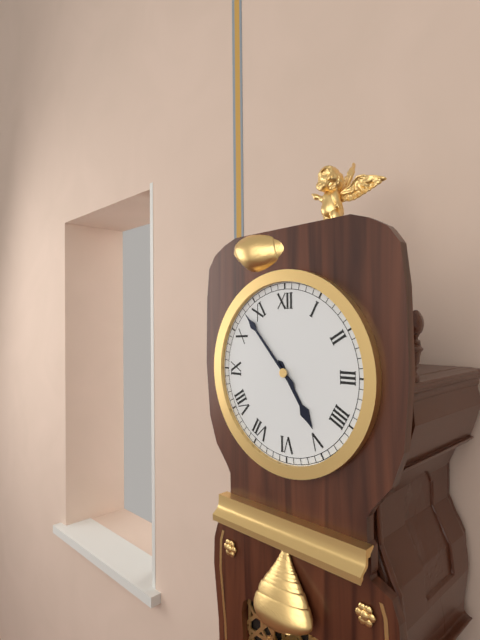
h=4 m=53
